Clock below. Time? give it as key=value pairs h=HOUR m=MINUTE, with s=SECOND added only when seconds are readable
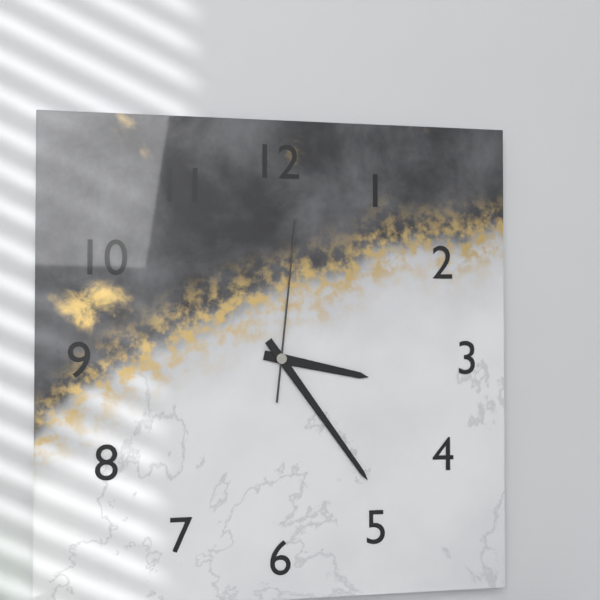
h=3 m=24 s=1
